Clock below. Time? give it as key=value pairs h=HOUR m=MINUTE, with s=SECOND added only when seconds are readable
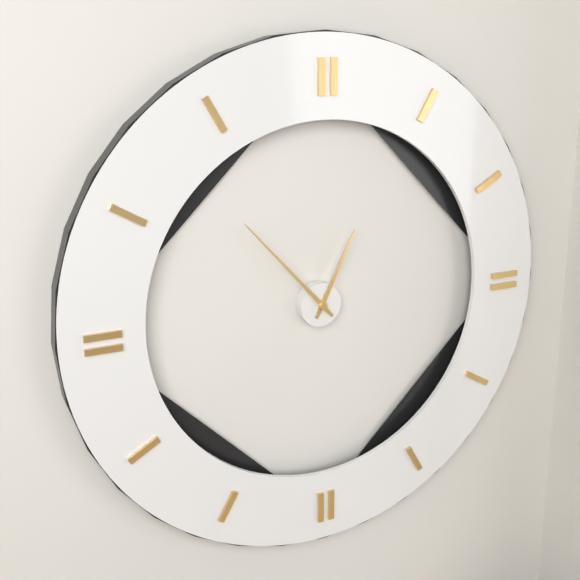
h=12 m=53
